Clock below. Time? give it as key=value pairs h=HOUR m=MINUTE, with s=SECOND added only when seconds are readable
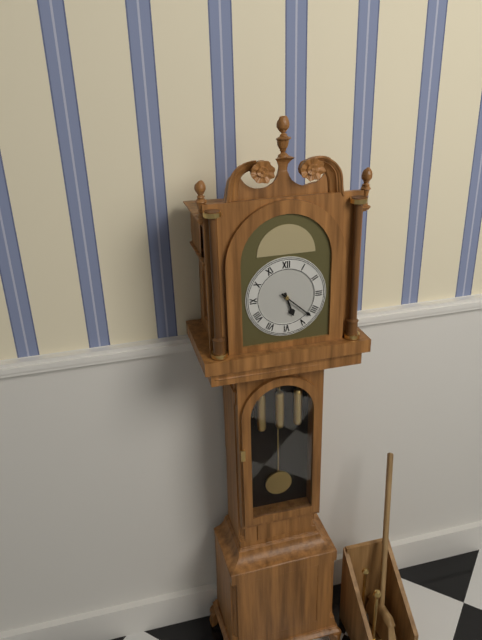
h=5 m=22
